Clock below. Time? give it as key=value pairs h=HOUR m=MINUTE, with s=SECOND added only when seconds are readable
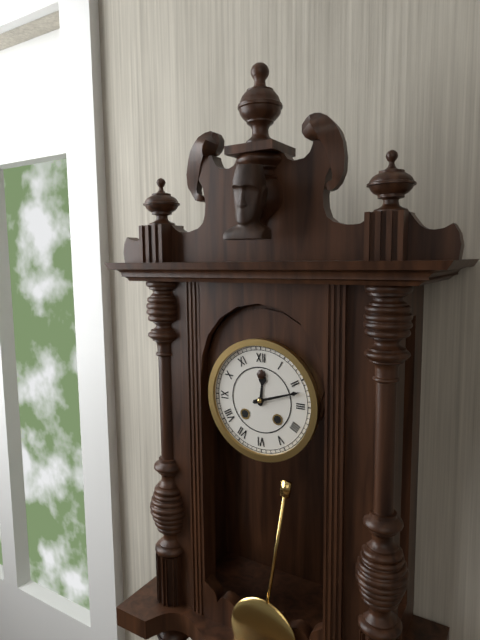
h=12 m=12
